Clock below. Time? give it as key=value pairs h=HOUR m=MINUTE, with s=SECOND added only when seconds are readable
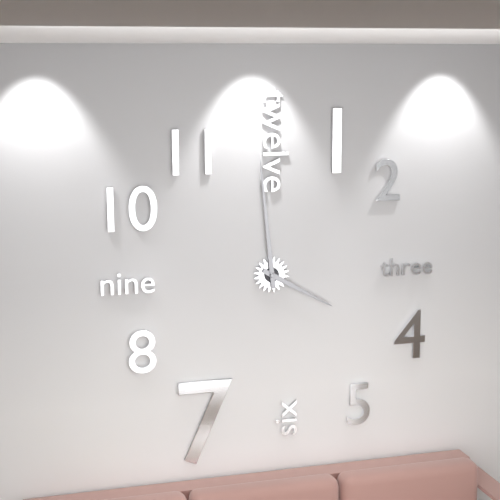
h=3 m=59
